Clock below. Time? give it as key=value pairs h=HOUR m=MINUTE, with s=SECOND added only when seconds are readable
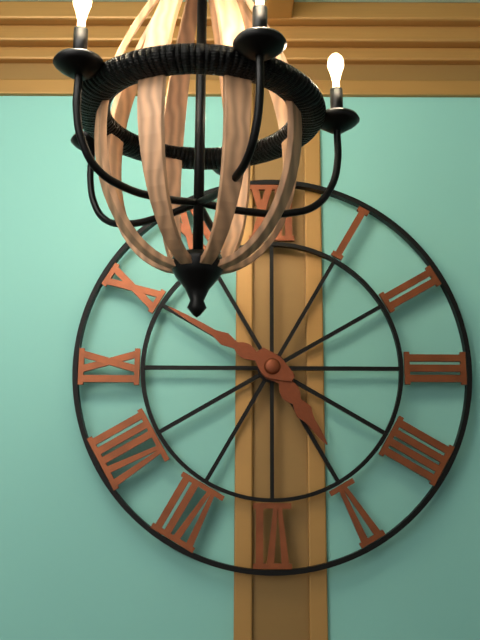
h=4 m=50
